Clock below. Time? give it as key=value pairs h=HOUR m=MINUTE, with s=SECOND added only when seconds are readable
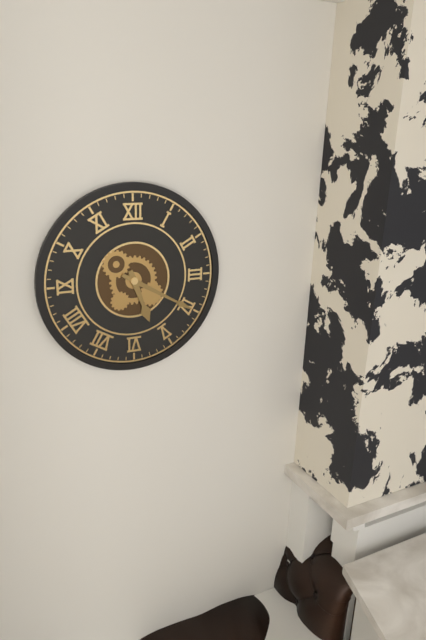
h=5 m=20
